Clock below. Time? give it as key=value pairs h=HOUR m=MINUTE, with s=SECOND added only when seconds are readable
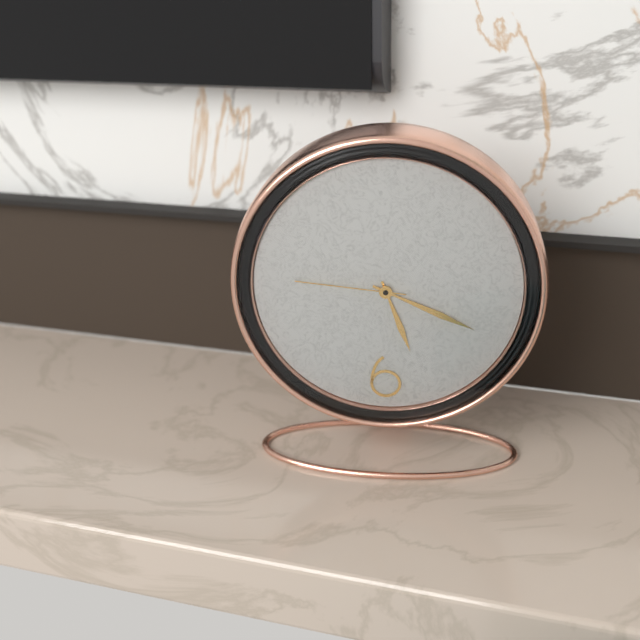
h=5 m=19 s=46
